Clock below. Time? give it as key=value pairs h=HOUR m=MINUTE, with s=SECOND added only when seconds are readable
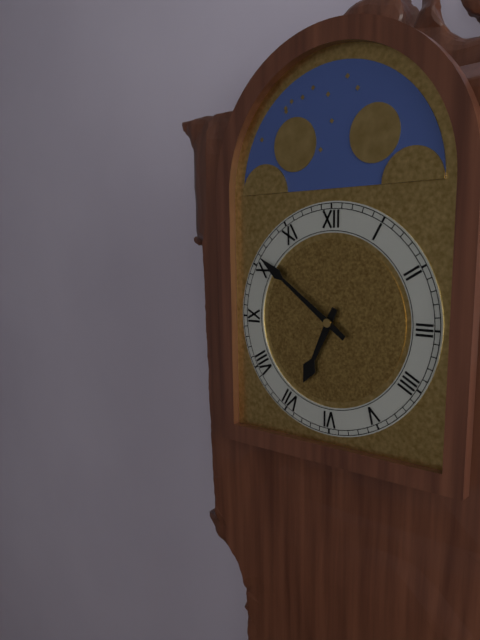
h=6 m=51
